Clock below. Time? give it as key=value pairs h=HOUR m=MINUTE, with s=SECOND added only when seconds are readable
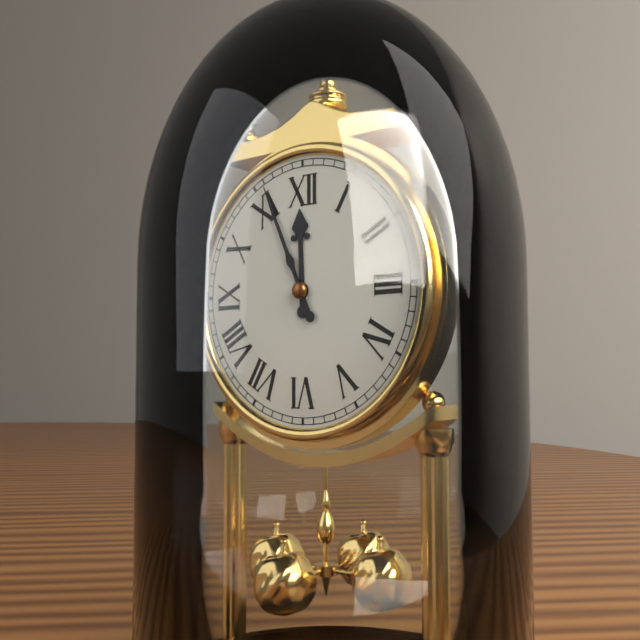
h=11 m=56
